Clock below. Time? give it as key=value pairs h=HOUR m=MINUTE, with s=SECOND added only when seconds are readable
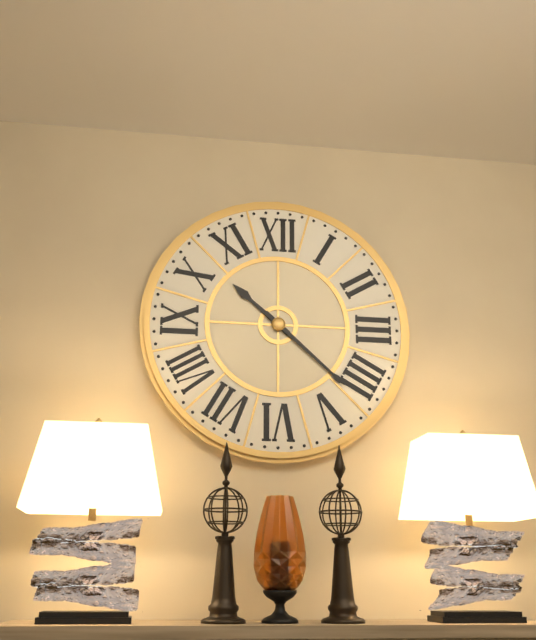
h=10 m=22
